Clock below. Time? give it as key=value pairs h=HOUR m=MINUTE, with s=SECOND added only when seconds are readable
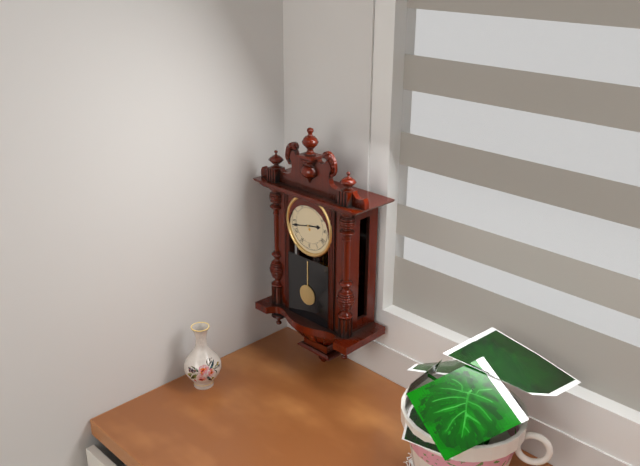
h=2 m=43
